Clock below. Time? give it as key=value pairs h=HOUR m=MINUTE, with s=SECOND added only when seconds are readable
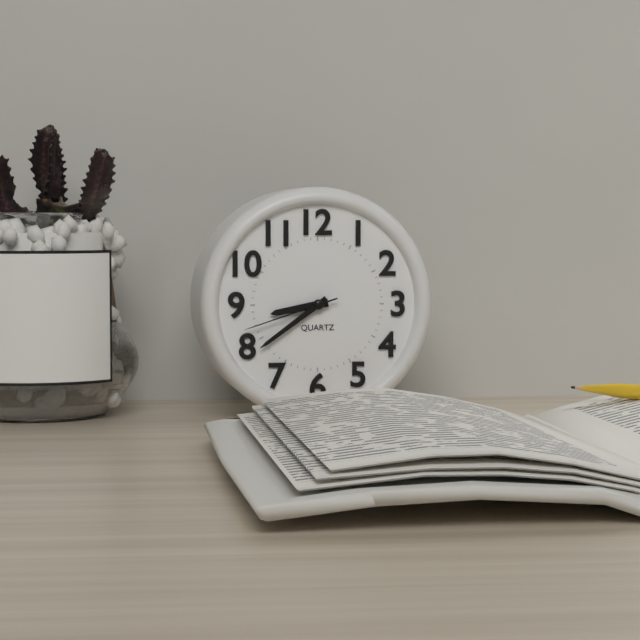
h=8 m=39 s=42
